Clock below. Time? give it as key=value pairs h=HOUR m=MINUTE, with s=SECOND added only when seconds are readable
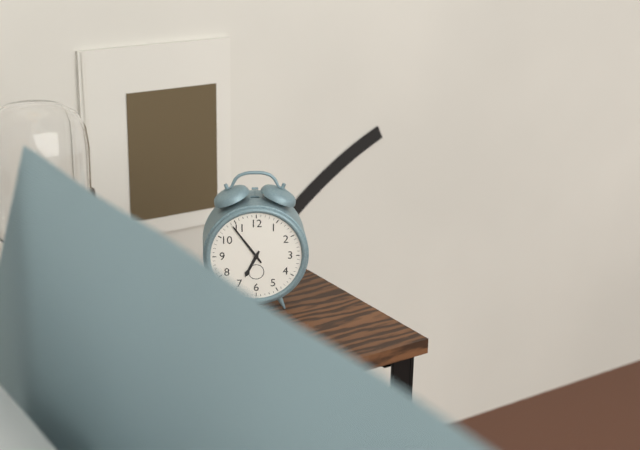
h=6 m=54
